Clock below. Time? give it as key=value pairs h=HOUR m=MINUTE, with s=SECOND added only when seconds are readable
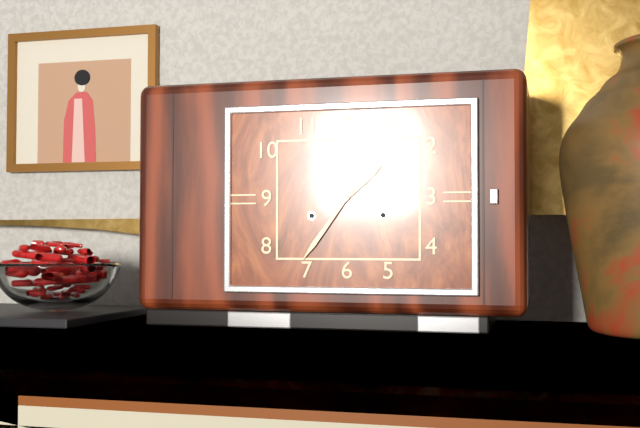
h=1 m=36
